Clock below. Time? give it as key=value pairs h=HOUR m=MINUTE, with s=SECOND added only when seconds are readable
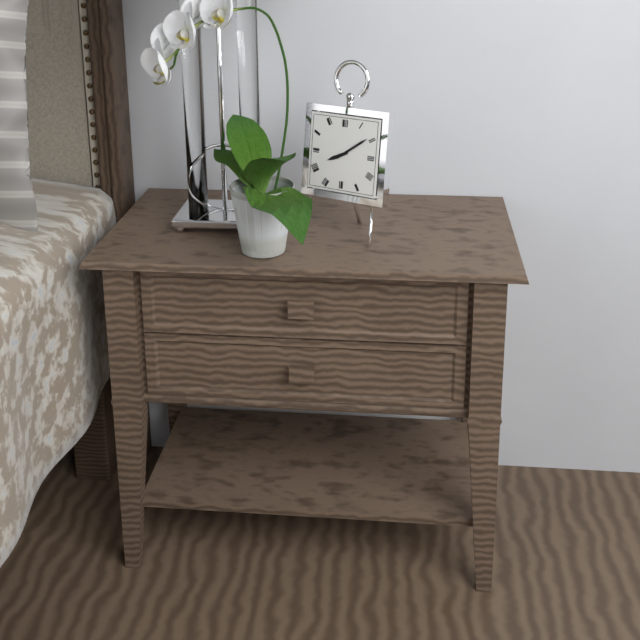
h=8 m=9
